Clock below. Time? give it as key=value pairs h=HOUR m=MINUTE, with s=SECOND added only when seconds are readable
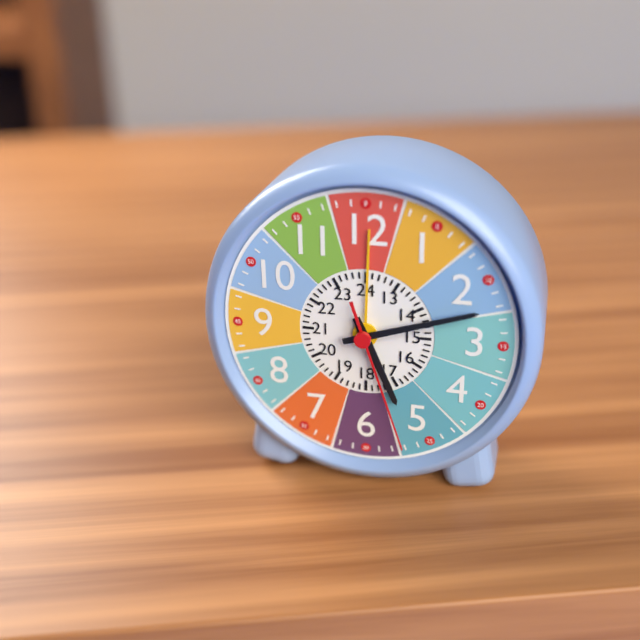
h=5 m=12 s=27
